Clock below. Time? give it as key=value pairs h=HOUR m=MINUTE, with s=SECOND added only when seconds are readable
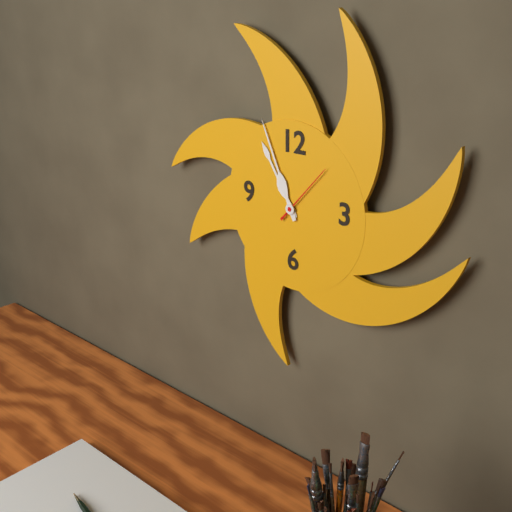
h=10 m=56 s=7
